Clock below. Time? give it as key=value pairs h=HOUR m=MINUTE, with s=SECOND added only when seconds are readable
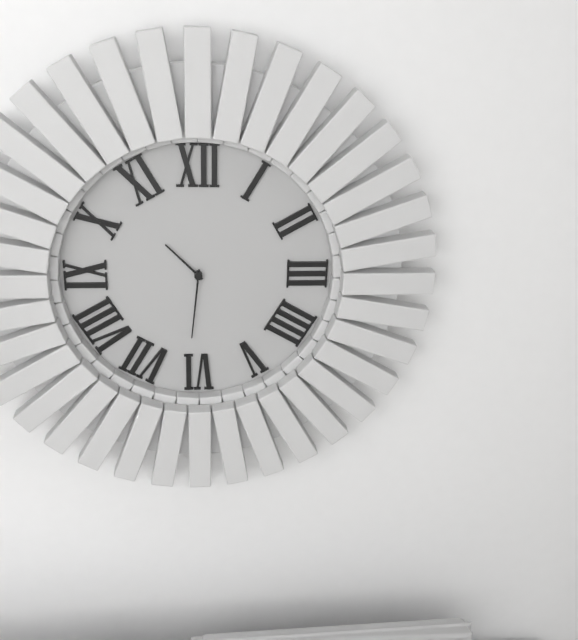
h=10 m=31
